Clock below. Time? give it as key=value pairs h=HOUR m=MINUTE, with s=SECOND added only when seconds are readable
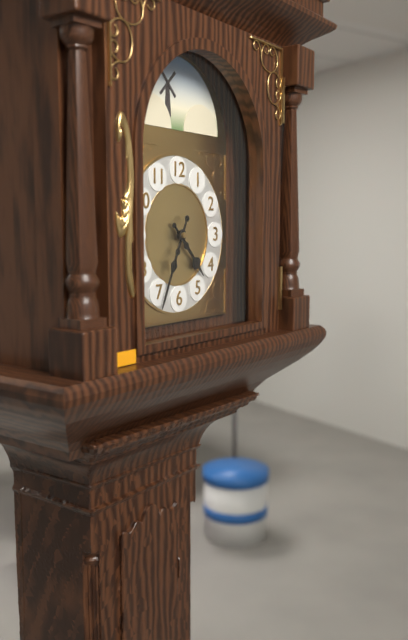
h=4 m=34
